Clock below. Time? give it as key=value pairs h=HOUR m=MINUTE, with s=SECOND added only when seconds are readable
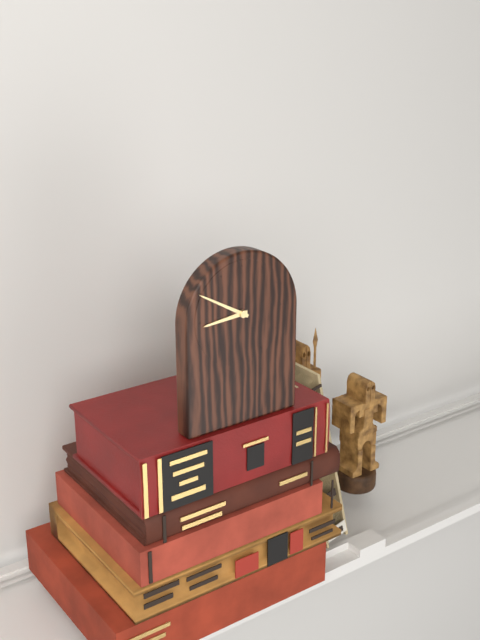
h=8 m=50
